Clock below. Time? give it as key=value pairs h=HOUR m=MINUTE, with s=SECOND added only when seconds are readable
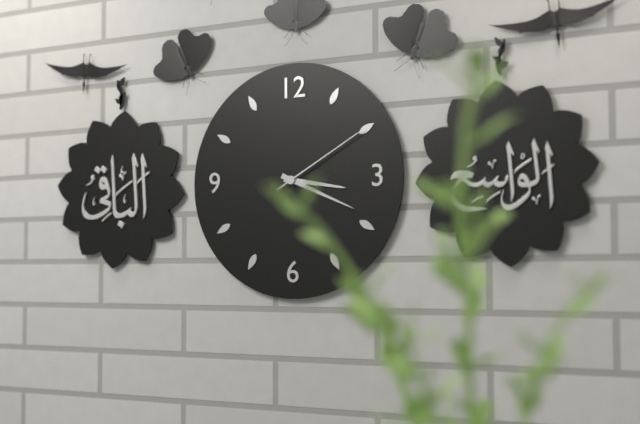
h=3 m=19 s=10
